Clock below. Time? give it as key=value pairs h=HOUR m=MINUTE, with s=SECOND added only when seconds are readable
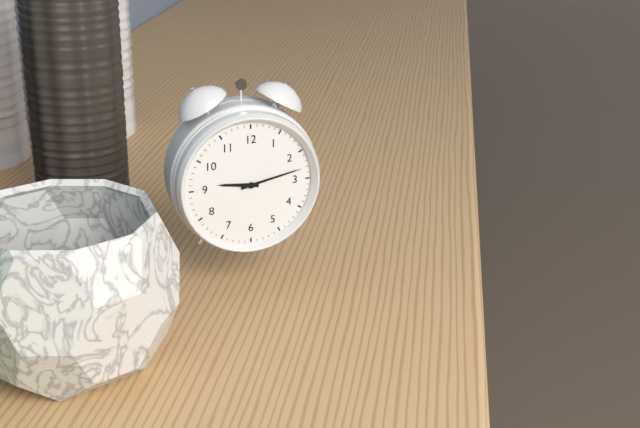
h=9 m=13
